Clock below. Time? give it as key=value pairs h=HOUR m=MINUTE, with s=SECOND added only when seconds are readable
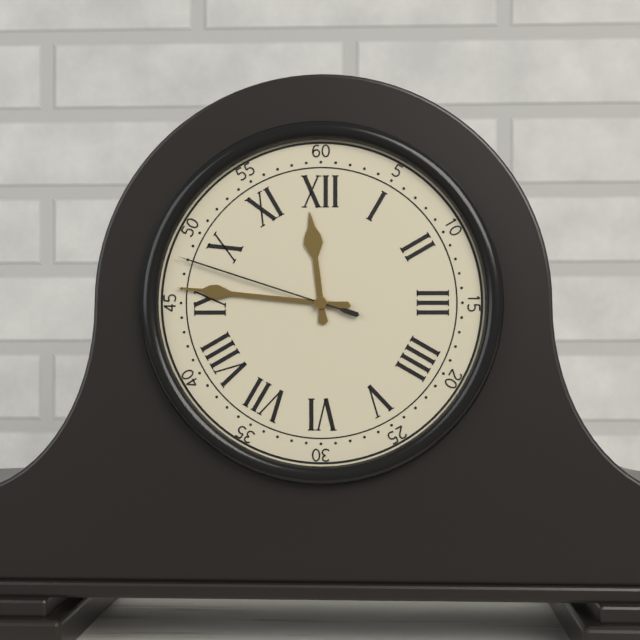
h=11 m=46 s=48
